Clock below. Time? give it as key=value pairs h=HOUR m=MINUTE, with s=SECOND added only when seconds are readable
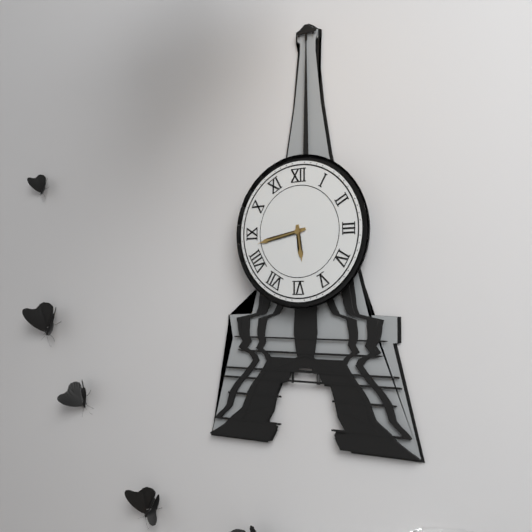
h=5 m=43
